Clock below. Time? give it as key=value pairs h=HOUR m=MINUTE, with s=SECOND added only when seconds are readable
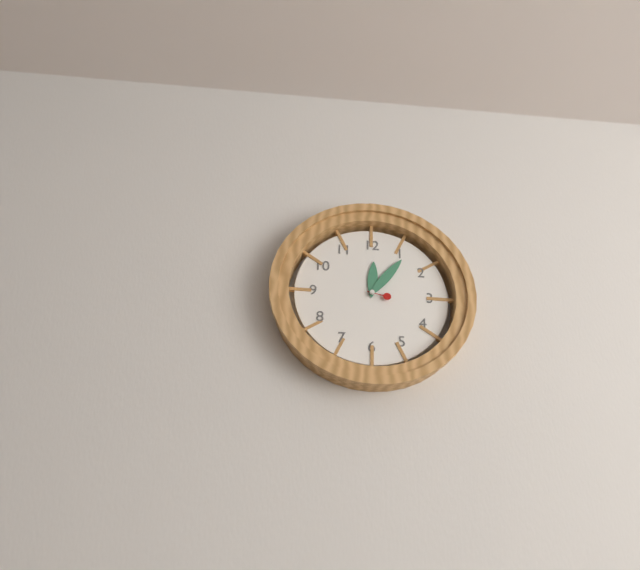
h=12 m=6
